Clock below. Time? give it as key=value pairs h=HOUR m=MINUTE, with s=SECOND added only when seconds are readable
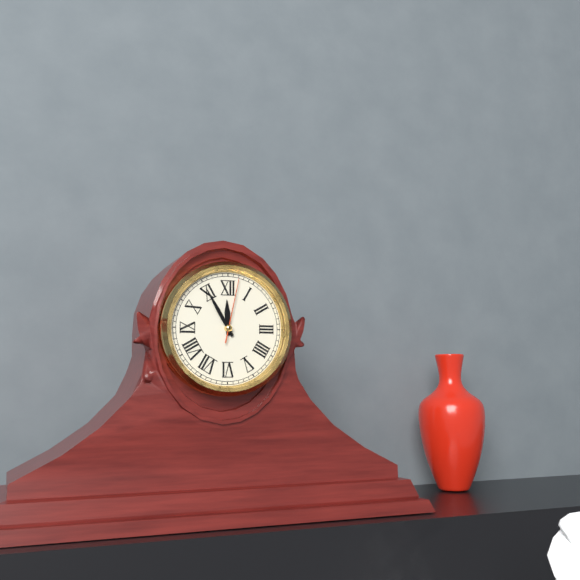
h=11 m=55 s=2
